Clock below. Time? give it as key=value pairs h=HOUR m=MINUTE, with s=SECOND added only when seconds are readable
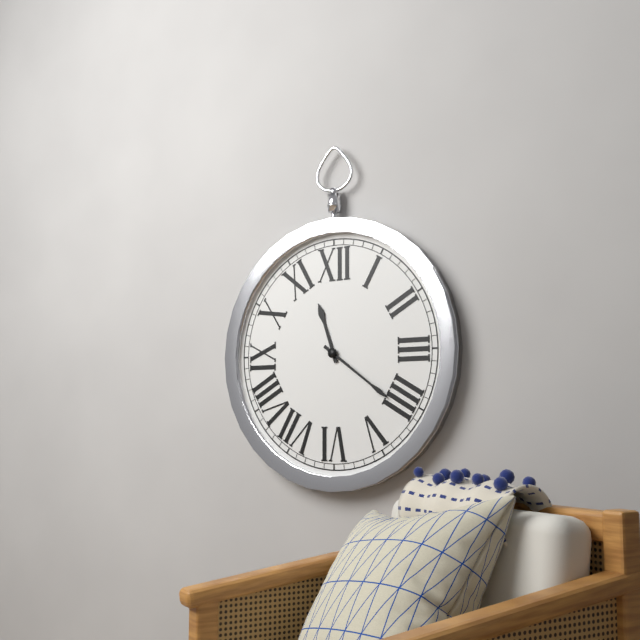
h=11 m=21
